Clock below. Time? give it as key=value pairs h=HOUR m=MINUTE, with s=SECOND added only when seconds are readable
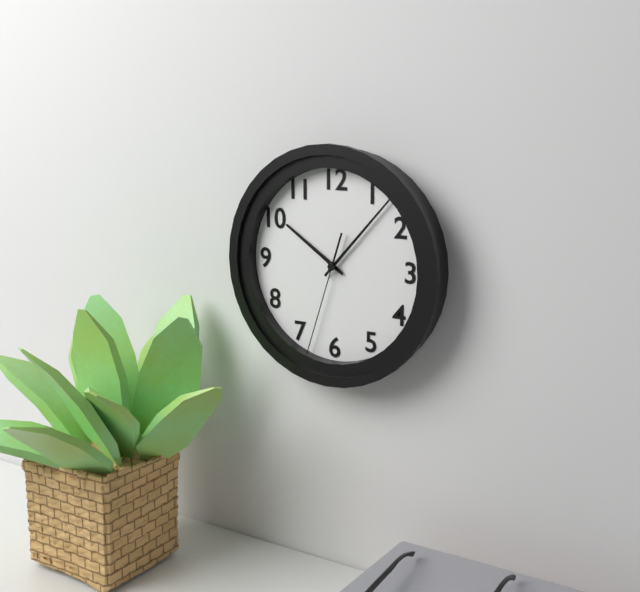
h=10 m=7 s=33
